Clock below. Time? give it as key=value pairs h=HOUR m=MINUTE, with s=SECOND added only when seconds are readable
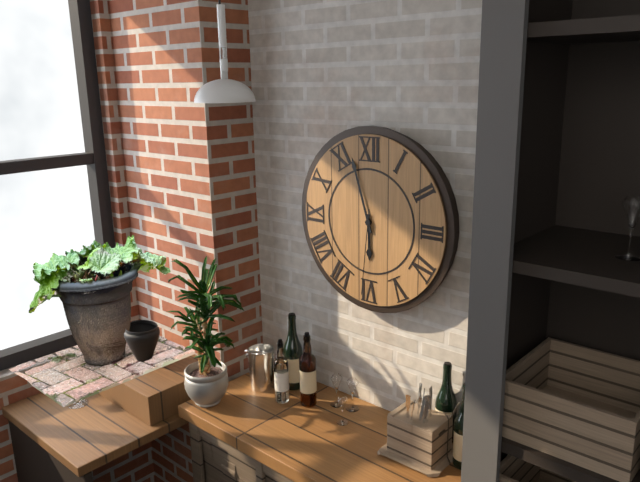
h=5 m=57 s=31
